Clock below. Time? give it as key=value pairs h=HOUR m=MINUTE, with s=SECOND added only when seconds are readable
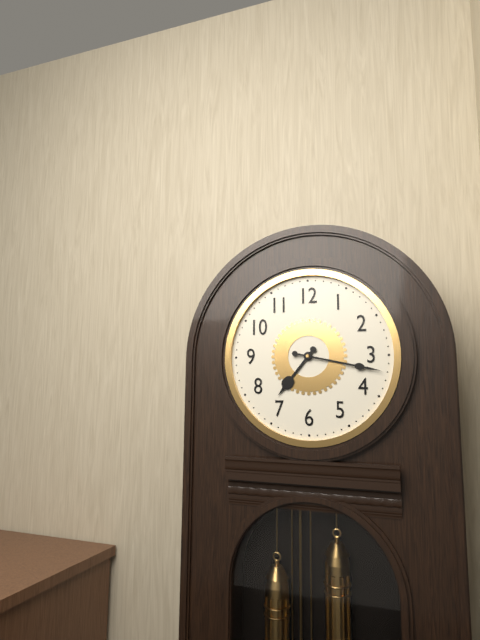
h=7 m=17
